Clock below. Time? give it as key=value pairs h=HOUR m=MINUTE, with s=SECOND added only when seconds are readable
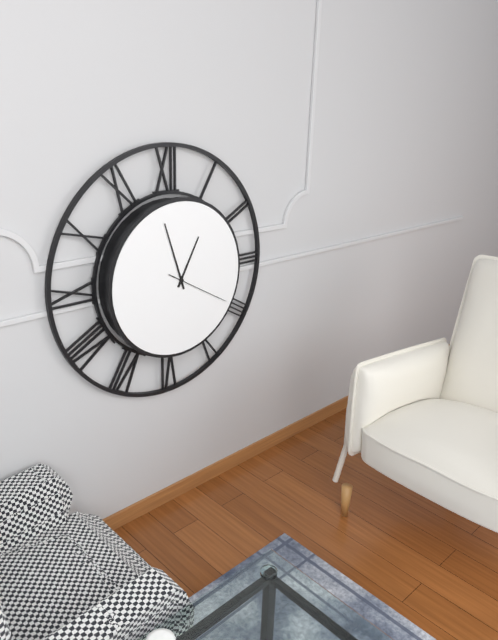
h=12 m=57 s=20
